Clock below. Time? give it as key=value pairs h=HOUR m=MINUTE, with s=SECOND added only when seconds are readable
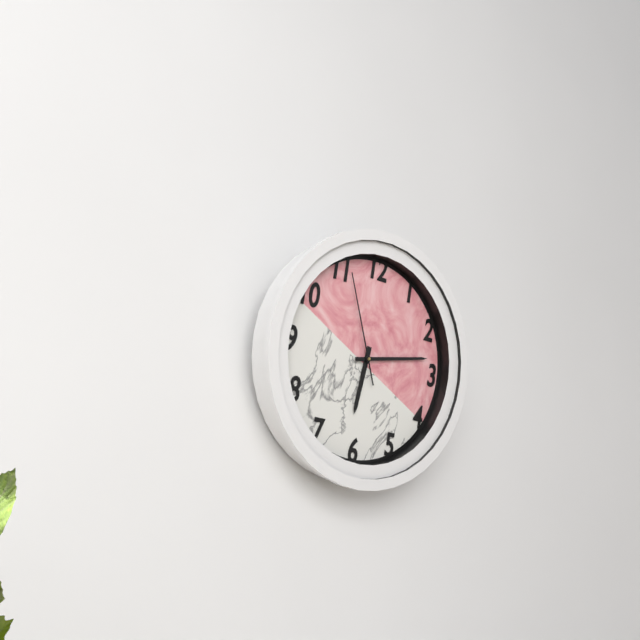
h=6 m=13 s=56
